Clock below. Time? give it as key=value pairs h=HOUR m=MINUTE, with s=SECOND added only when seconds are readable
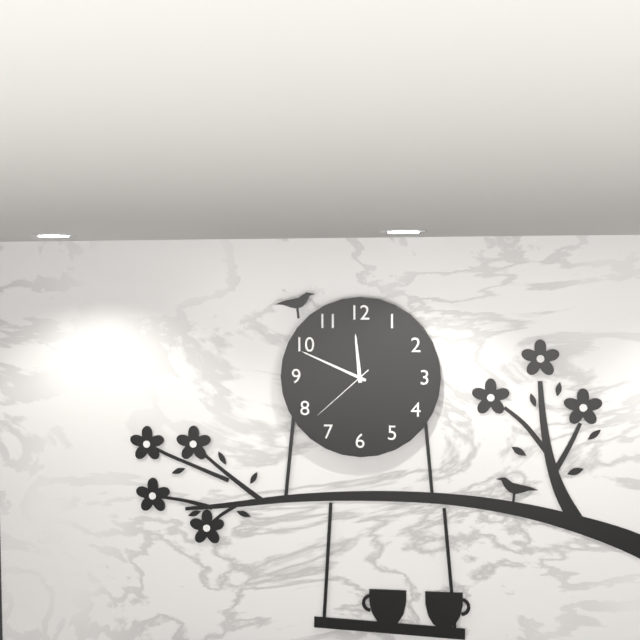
h=11 m=49 s=38
